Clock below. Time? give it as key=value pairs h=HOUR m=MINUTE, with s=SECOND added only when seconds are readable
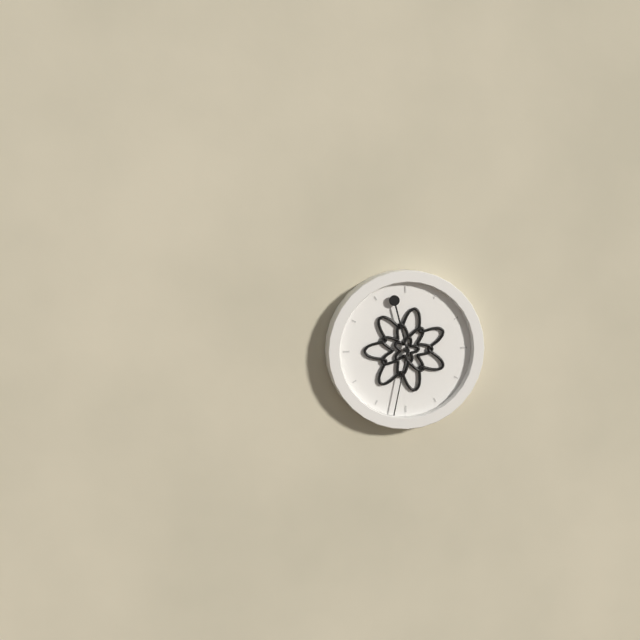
h=11 m=32
